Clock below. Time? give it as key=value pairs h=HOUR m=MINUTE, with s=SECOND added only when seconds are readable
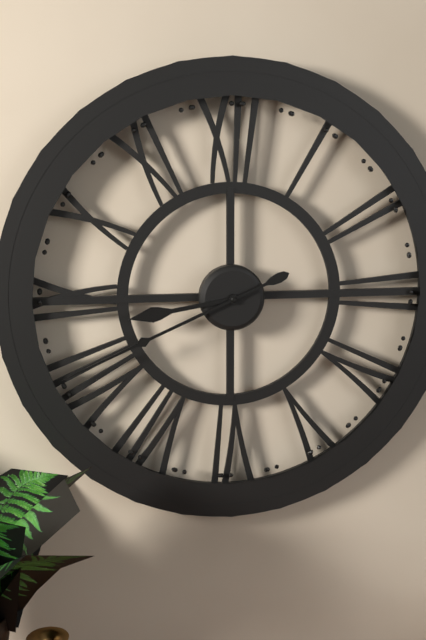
h=8 m=41
